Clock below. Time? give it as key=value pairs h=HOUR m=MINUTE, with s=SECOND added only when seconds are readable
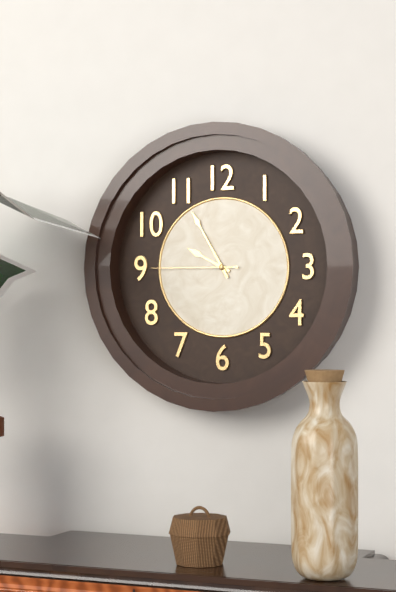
h=9 m=55 s=45
